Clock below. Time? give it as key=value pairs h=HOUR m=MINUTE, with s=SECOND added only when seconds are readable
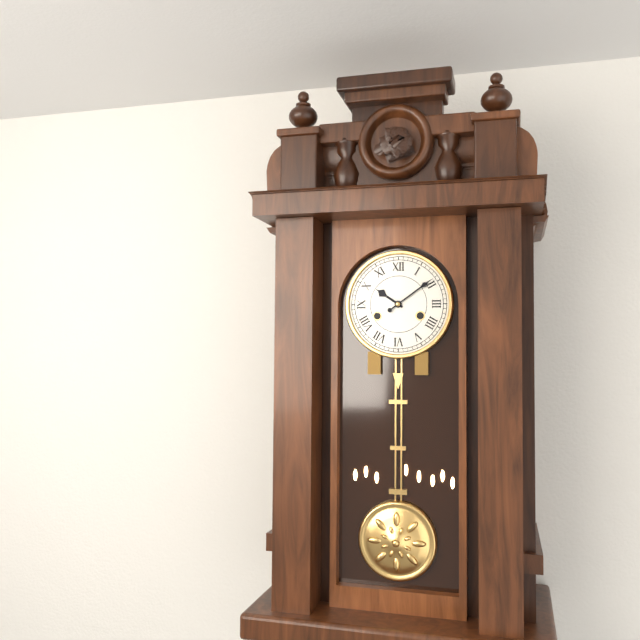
h=10 m=9
